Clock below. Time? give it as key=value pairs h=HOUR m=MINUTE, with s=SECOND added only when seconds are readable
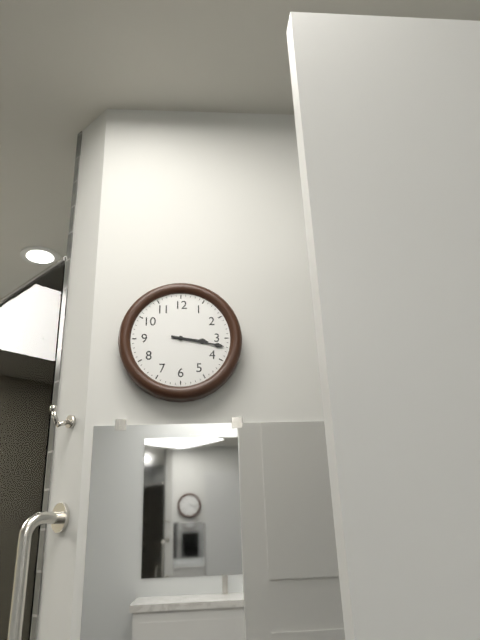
h=3 m=17
